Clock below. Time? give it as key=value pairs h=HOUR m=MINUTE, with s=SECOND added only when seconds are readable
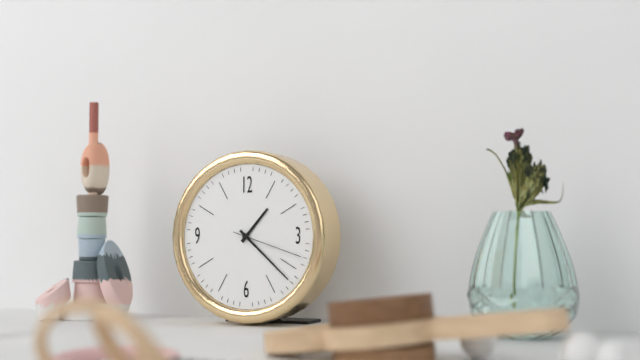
h=1 m=22 s=18
